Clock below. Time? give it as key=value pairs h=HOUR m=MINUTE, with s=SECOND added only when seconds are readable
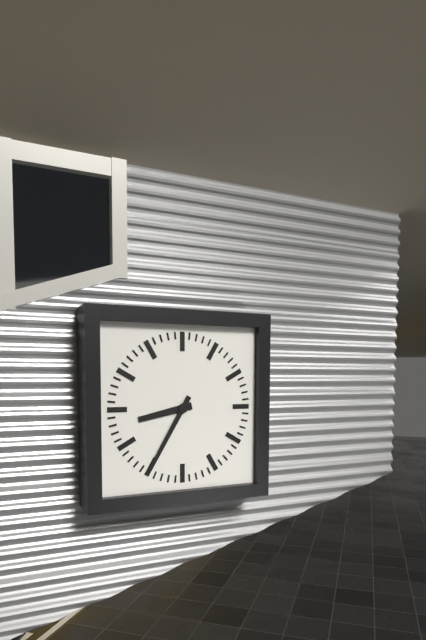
h=8 m=35
